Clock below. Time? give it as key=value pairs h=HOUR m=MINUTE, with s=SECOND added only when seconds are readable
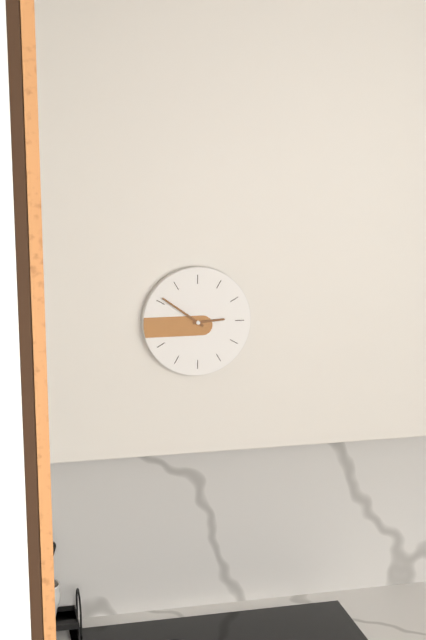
h=2 m=51
